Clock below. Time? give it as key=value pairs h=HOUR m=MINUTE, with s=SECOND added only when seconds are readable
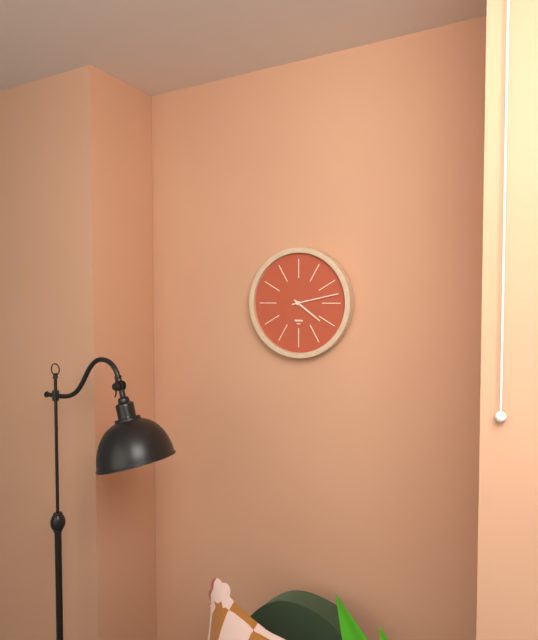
h=4 m=13
